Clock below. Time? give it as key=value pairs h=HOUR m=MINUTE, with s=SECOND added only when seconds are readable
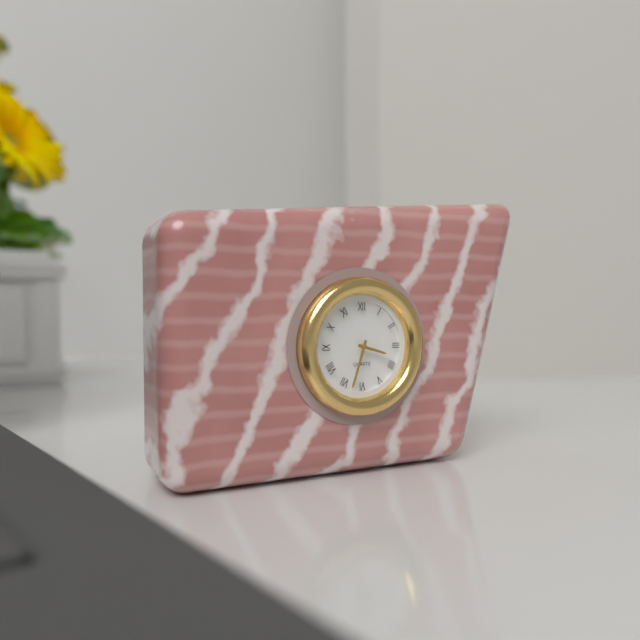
h=3 m=33
